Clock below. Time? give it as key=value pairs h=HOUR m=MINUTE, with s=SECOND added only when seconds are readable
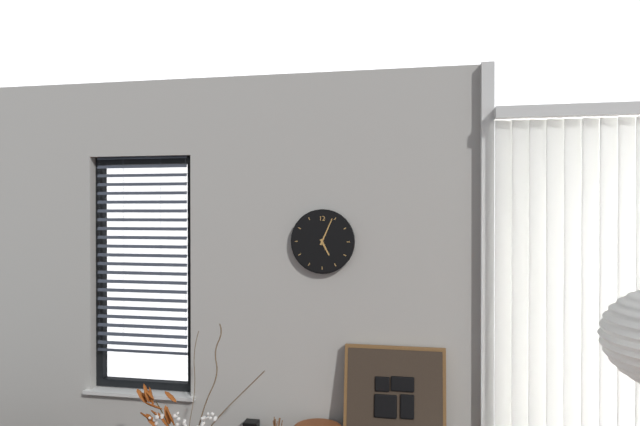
h=5 m=4
